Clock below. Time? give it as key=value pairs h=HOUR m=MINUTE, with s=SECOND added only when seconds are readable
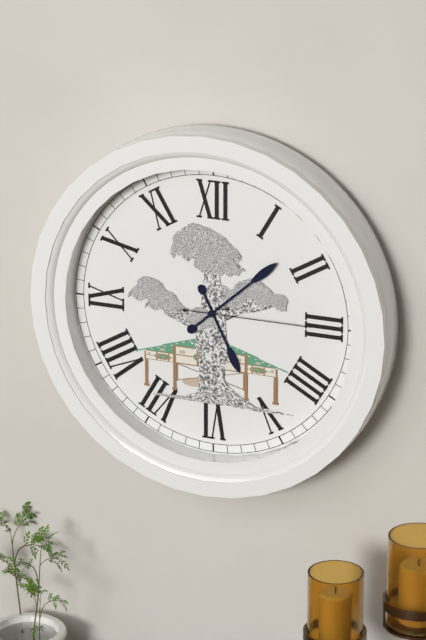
h=5 m=8 s=15
